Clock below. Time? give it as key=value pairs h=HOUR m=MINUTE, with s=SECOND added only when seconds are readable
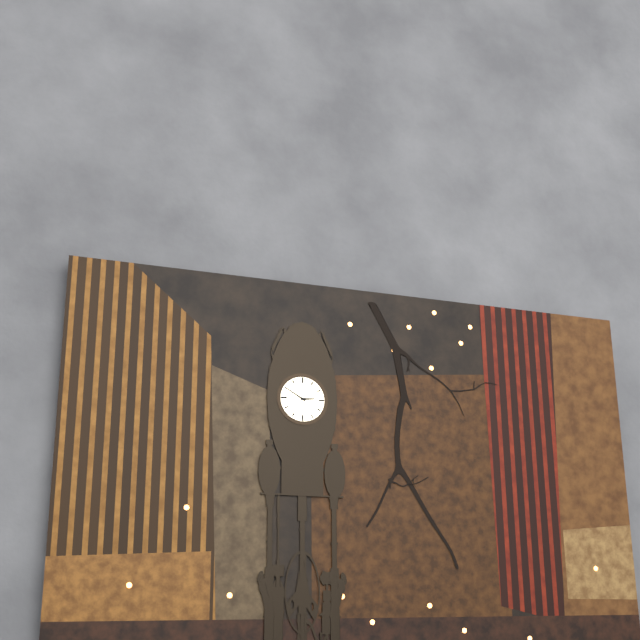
h=2 m=50
